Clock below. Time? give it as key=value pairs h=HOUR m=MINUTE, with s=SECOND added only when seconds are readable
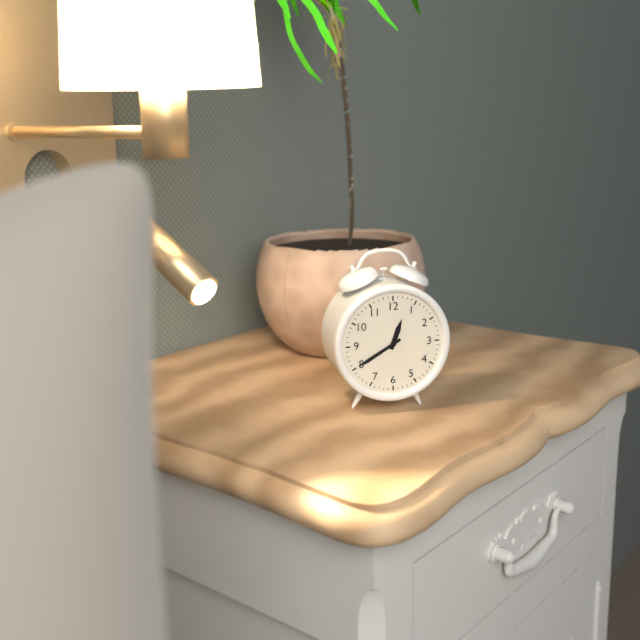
h=12 m=40
